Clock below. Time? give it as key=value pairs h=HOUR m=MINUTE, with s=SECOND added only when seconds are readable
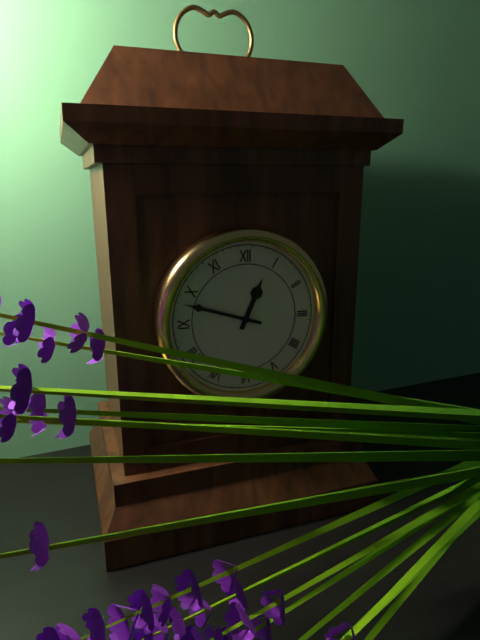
h=12 m=48
